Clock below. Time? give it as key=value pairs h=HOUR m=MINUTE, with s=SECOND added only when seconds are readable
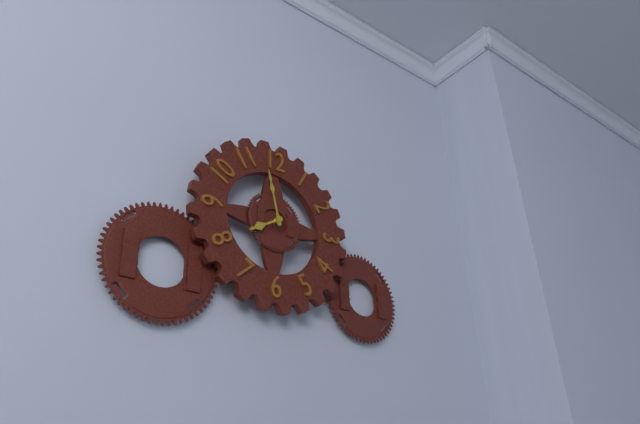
h=7 m=58
